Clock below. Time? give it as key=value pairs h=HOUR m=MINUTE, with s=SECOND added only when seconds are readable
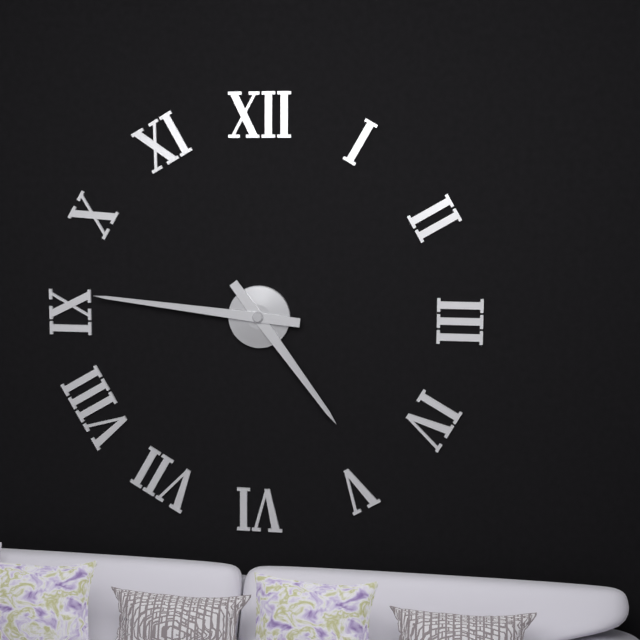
h=4 m=46
